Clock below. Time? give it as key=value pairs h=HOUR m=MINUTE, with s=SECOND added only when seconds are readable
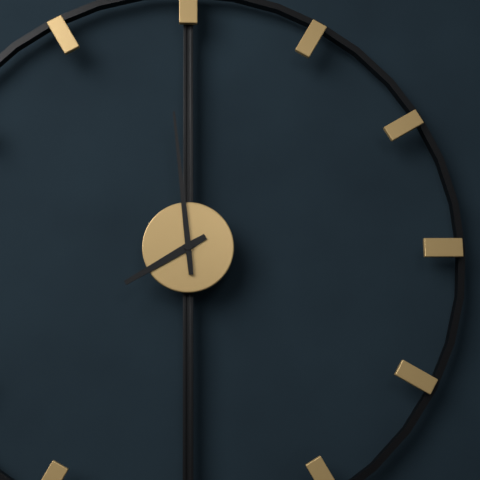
h=7 m=59
